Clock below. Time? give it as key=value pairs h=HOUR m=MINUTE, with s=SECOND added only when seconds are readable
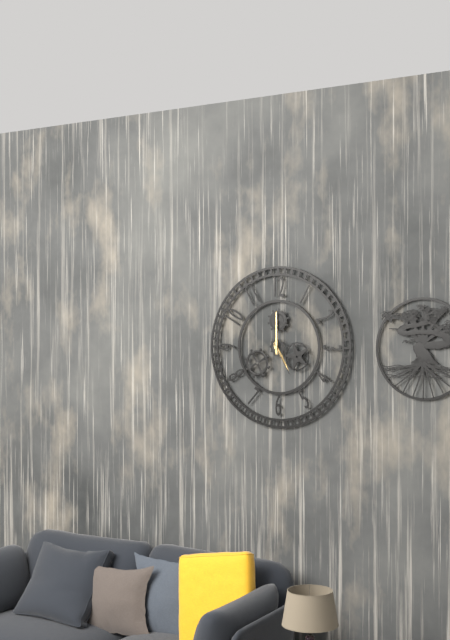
h=5 m=0
